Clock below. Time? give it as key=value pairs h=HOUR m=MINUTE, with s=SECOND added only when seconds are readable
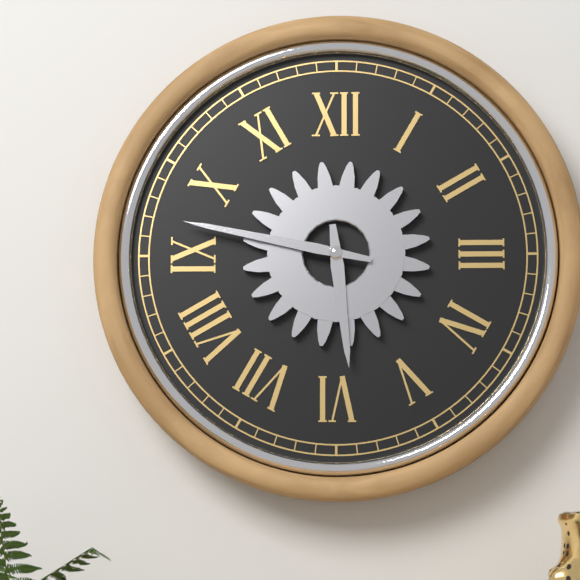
h=5 m=47
